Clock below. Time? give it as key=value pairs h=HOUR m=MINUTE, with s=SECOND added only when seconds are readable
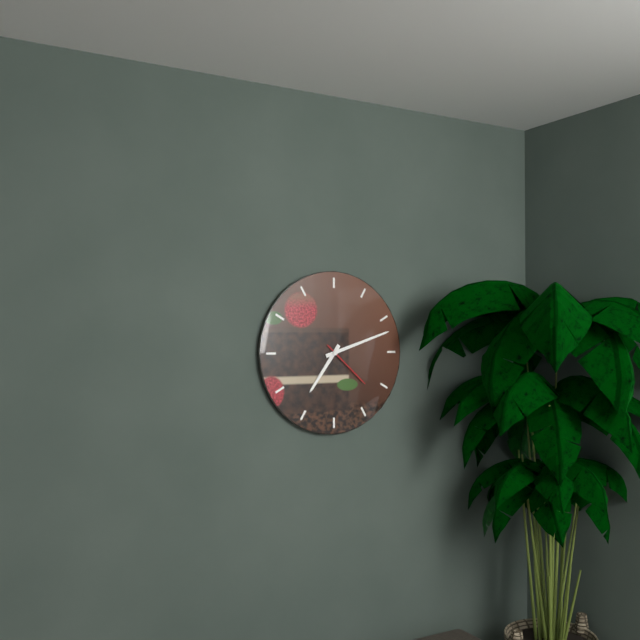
h=7 m=12 s=22
